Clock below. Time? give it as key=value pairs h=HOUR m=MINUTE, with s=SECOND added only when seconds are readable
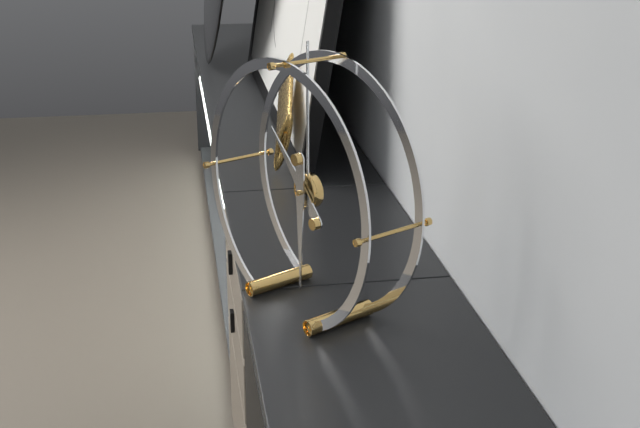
h=10 m=30
